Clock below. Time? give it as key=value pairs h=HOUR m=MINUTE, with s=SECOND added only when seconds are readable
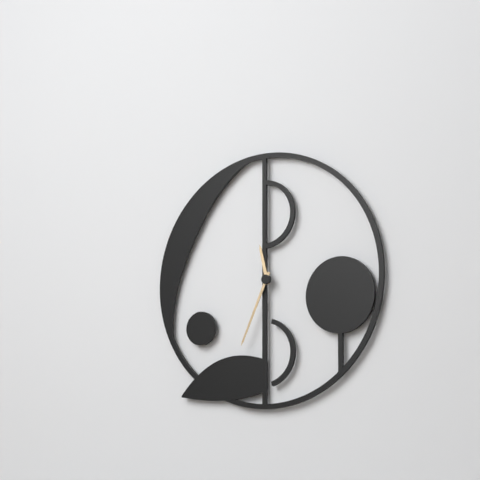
h=11 m=34
